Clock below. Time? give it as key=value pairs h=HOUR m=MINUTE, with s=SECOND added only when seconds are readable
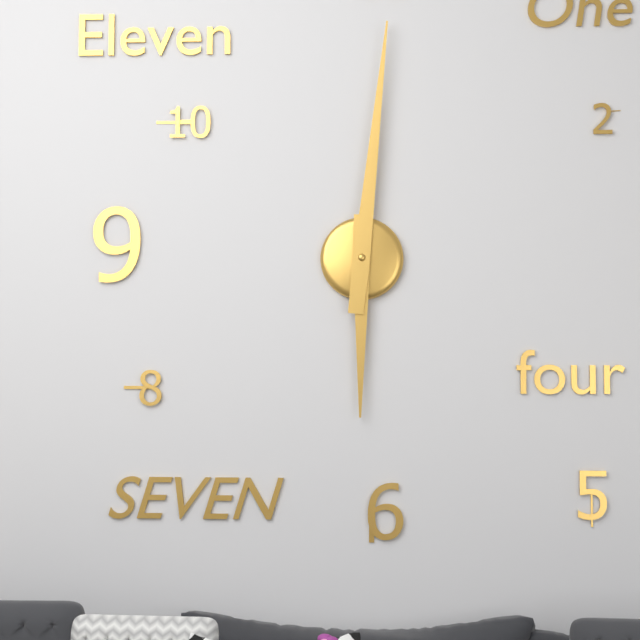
h=6 m=1
